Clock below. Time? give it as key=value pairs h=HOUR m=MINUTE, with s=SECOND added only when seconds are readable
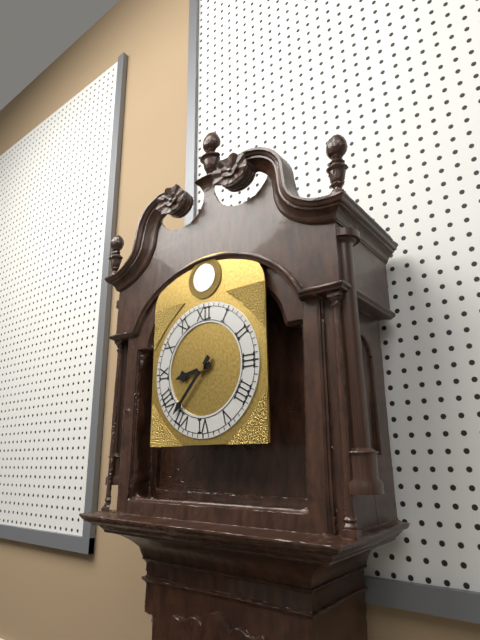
h=8 m=37
